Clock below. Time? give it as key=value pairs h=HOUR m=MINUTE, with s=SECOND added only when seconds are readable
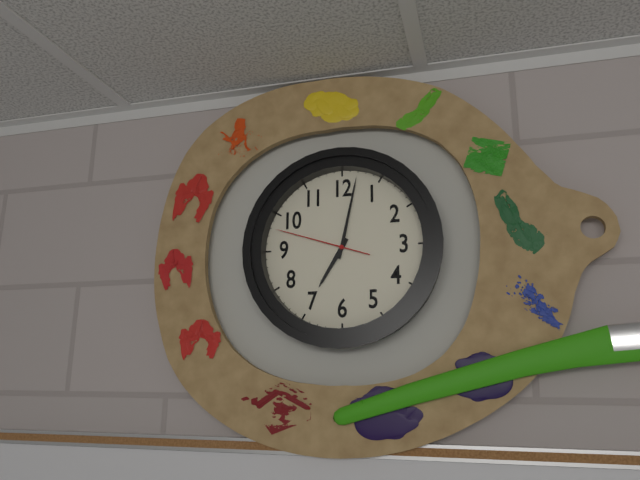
h=7 m=2 s=48
